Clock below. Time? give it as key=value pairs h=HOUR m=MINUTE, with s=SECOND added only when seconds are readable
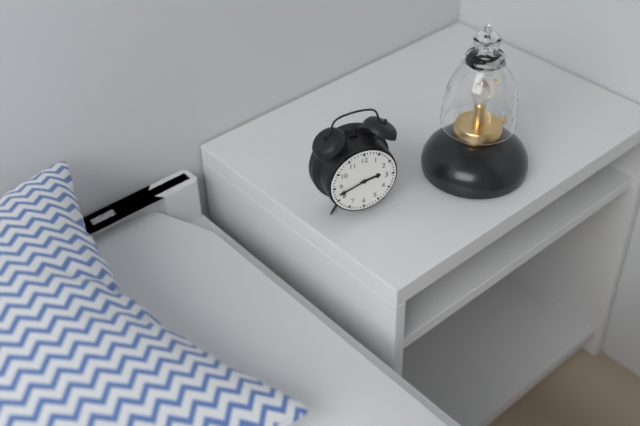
h=2 m=42
